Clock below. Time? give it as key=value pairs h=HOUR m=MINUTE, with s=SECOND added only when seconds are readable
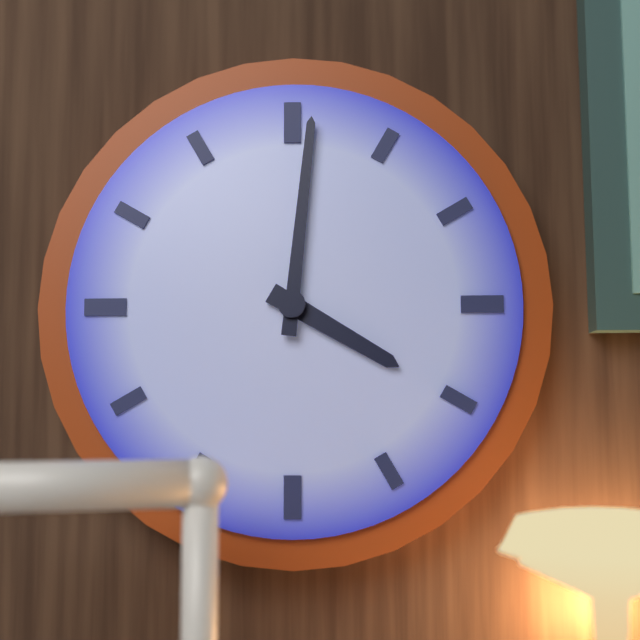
h=4 m=1
